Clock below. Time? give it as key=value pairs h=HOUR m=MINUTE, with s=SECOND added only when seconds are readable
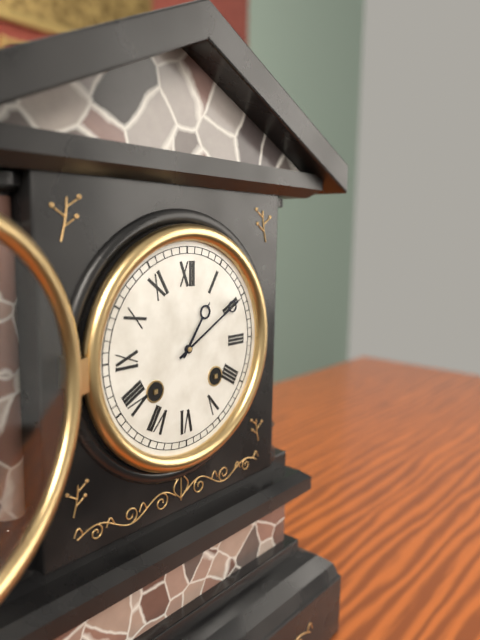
h=1 m=10
